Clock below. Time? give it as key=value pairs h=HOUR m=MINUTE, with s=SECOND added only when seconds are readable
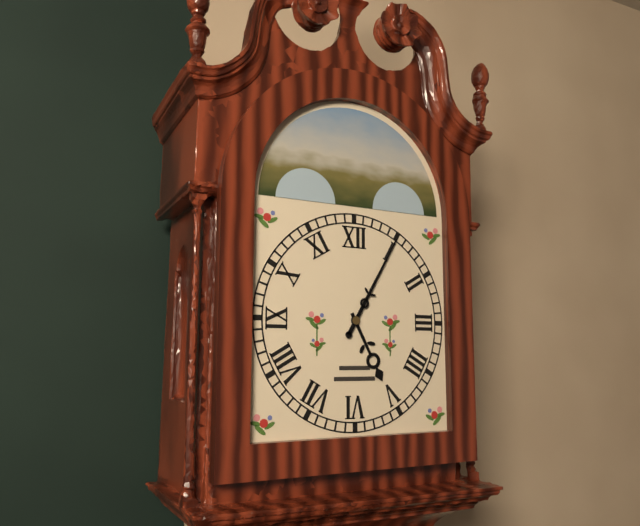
h=5 m=5
